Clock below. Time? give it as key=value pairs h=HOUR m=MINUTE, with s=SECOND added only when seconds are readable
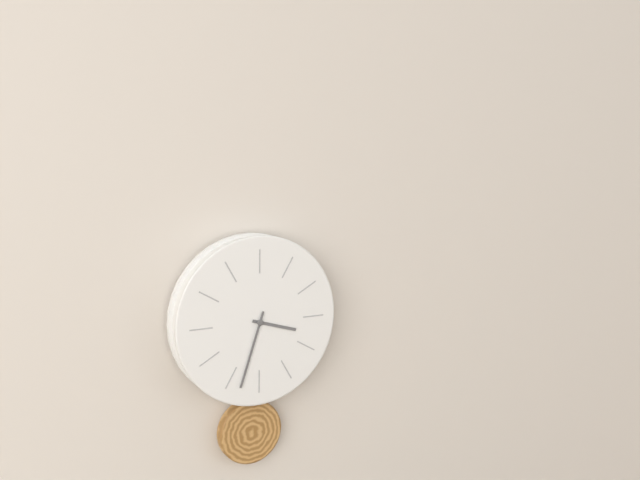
h=3 m=33
